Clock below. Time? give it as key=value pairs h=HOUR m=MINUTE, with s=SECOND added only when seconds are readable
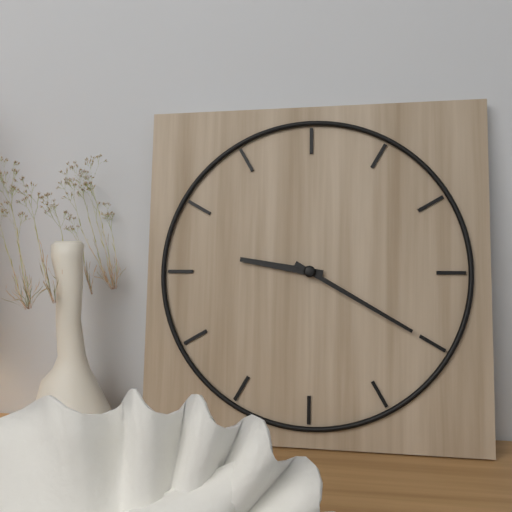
h=9 m=20
